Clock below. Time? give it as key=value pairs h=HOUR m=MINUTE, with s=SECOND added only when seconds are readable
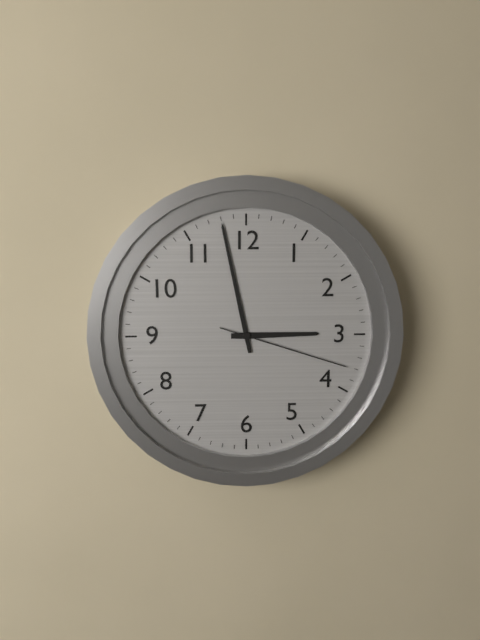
h=2 m=58 s=18
